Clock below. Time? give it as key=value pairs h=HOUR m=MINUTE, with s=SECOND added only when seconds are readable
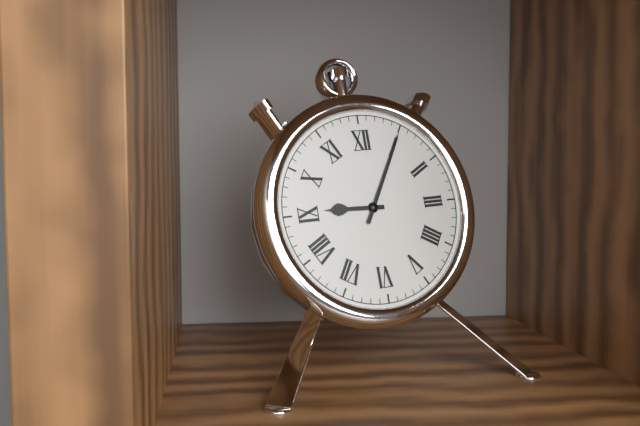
h=9 m=5
